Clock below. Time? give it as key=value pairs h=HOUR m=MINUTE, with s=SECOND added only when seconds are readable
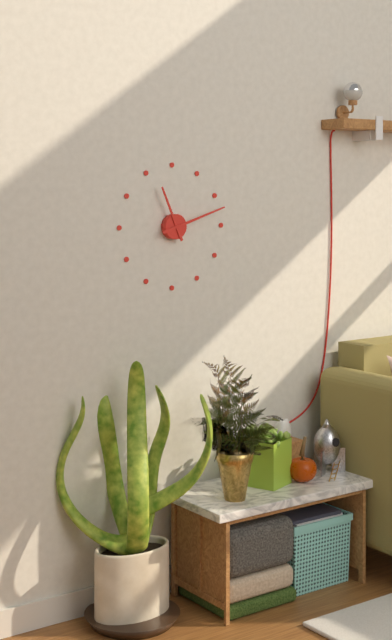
h=11 m=12
